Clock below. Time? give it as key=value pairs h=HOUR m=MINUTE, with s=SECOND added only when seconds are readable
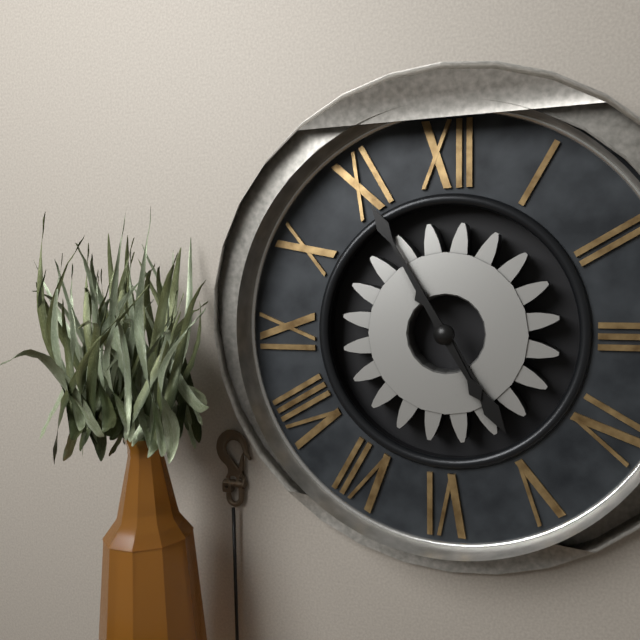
h=4 m=55
